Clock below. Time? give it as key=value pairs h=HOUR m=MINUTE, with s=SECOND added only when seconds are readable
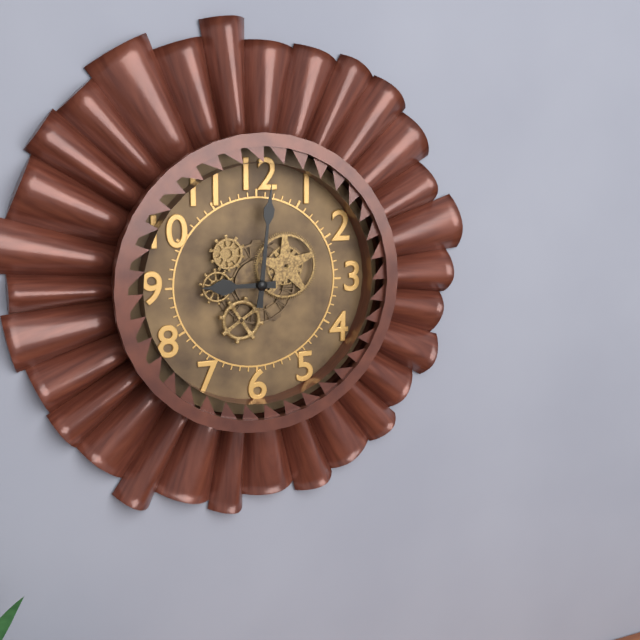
h=9 m=1
